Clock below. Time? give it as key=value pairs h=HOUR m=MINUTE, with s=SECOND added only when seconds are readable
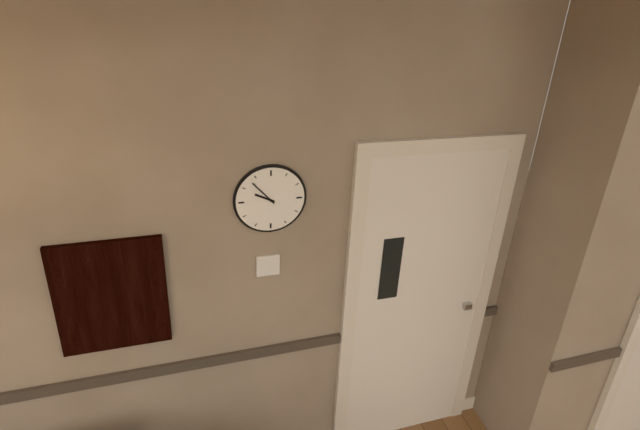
h=9 m=53
